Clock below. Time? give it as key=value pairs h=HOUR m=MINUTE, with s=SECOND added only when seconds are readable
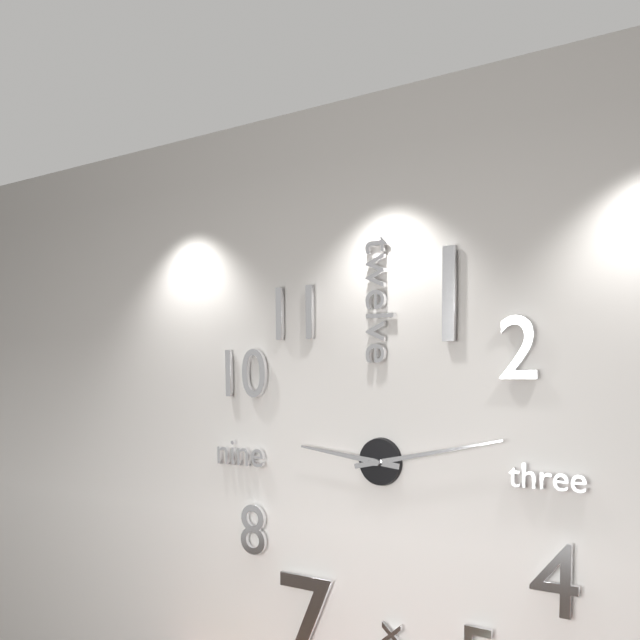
h=9 m=13
